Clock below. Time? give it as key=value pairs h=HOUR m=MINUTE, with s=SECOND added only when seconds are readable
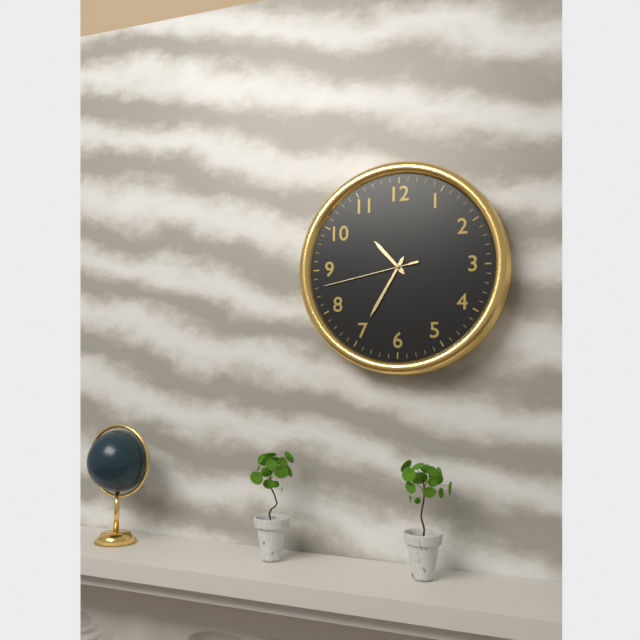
h=10 m=35 s=43
